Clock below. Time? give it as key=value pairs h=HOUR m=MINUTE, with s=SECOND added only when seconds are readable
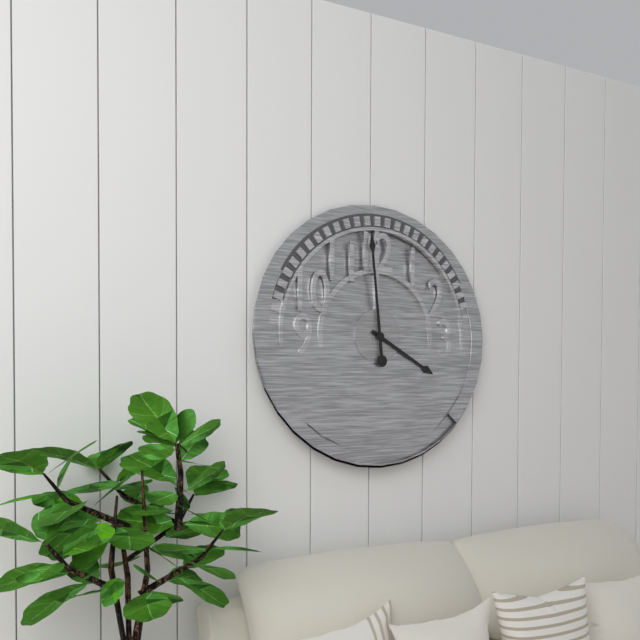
h=3 m=59
